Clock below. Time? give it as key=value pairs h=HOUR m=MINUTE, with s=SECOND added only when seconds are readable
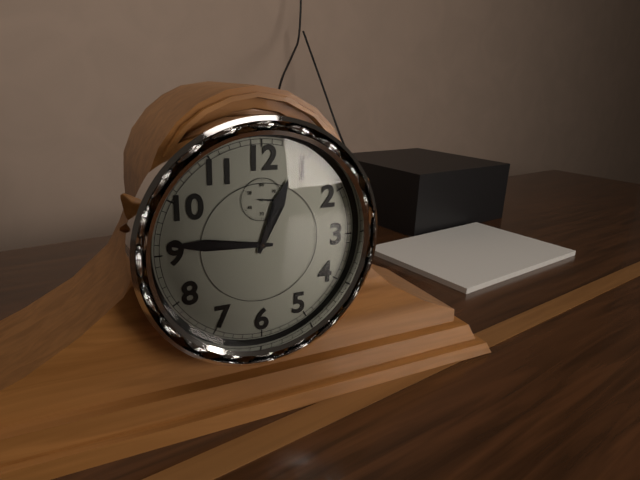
h=12 m=46
